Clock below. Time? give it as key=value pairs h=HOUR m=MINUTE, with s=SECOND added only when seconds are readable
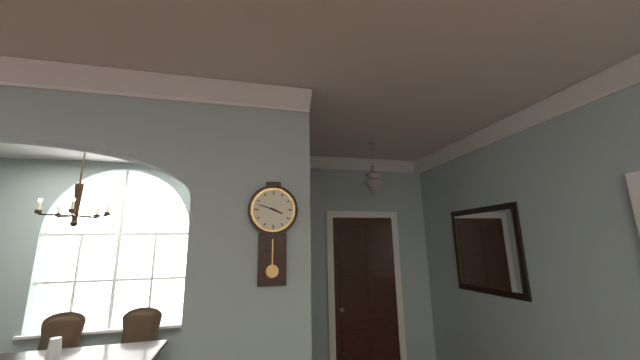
h=3 m=48
